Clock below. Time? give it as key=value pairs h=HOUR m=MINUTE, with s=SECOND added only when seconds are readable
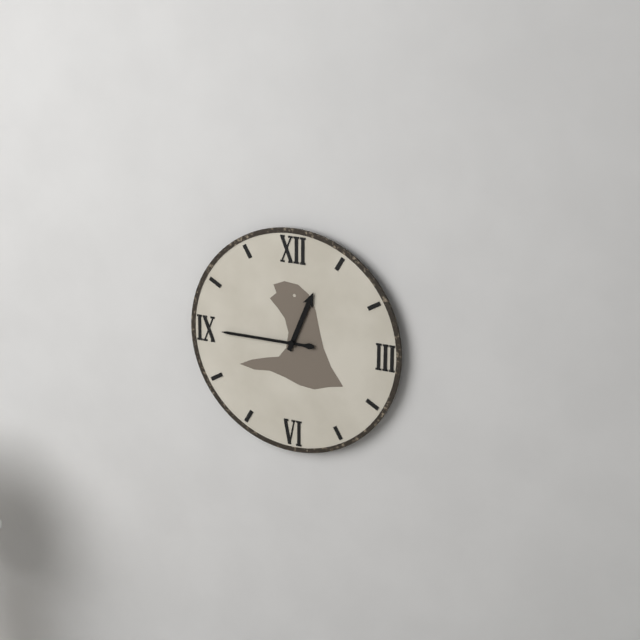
h=12 m=45
